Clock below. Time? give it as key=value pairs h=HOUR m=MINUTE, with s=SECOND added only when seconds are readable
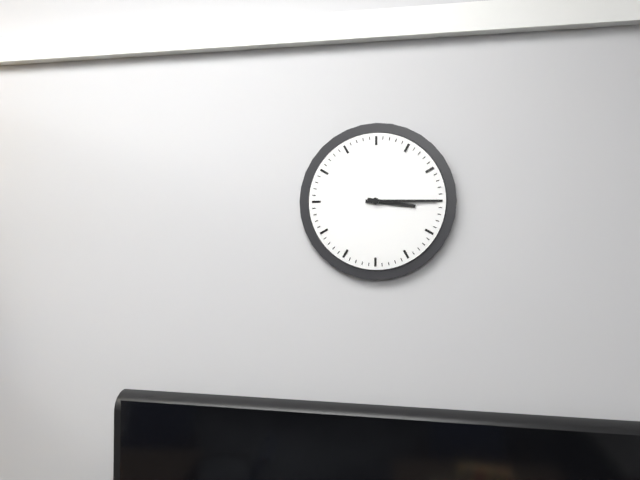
h=3 m=15
